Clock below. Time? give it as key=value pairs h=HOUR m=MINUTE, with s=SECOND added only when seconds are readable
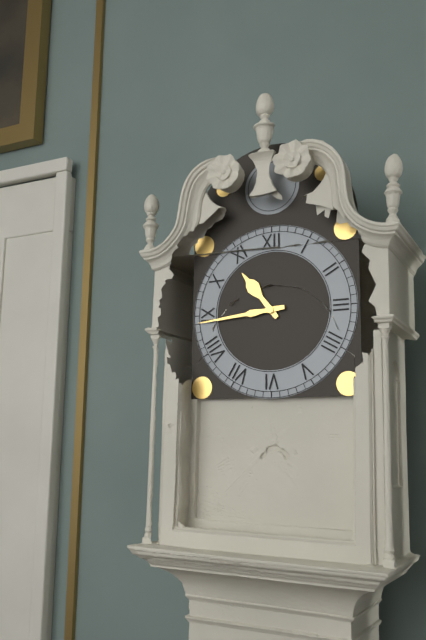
h=10 m=44
